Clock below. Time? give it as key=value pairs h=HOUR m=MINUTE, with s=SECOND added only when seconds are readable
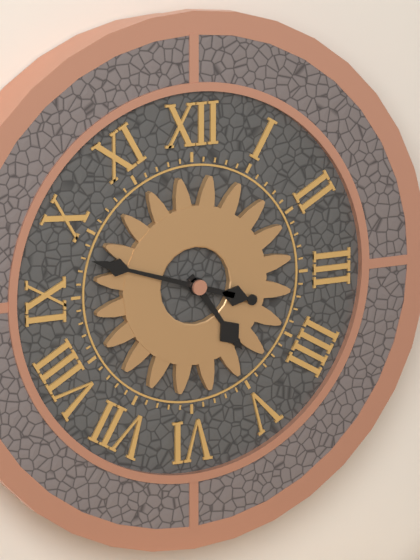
h=4 m=48
